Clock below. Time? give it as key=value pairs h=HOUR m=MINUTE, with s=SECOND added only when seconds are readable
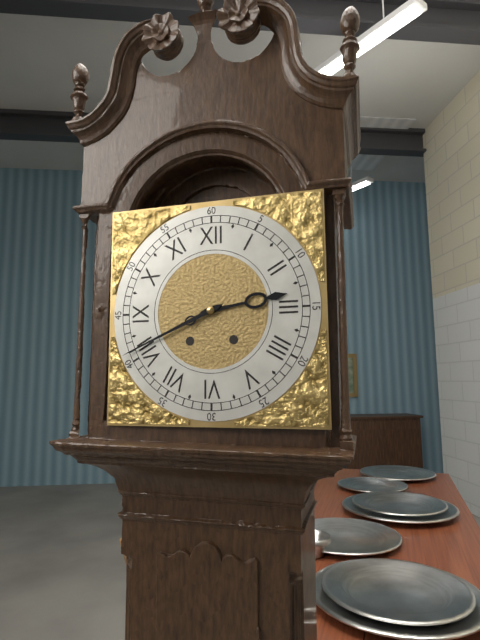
h=2 m=41
